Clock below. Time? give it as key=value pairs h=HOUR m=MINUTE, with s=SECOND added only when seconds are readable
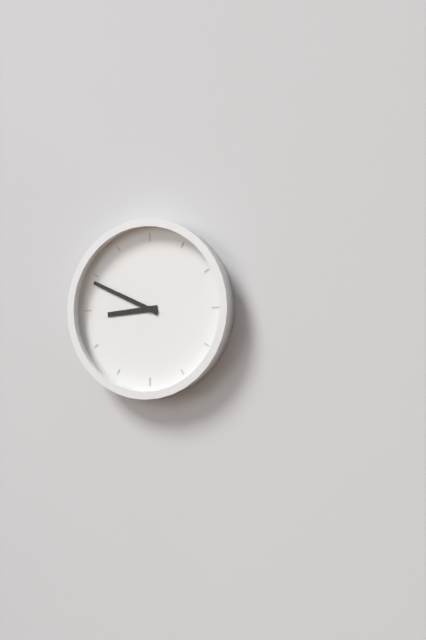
h=8 m=49
